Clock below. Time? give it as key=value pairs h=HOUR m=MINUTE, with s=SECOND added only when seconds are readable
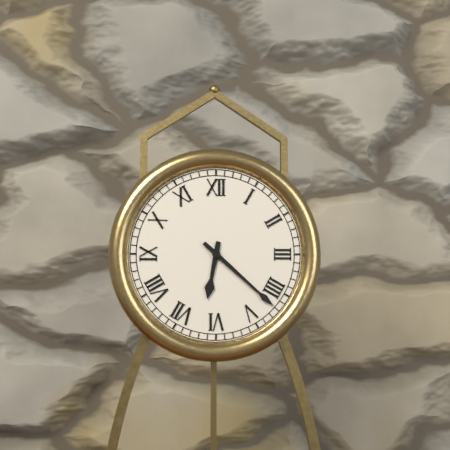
h=6 m=22
